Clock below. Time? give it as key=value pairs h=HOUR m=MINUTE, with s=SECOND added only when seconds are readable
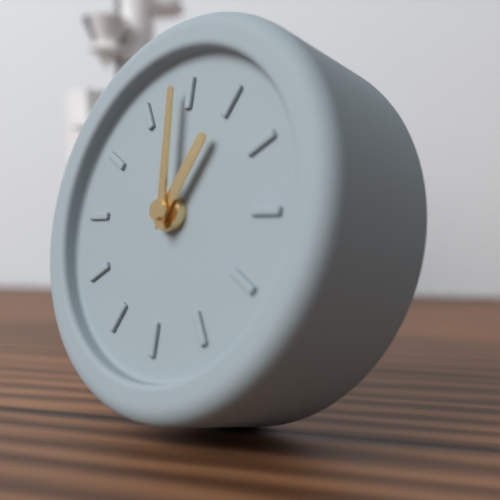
h=12 m=59
